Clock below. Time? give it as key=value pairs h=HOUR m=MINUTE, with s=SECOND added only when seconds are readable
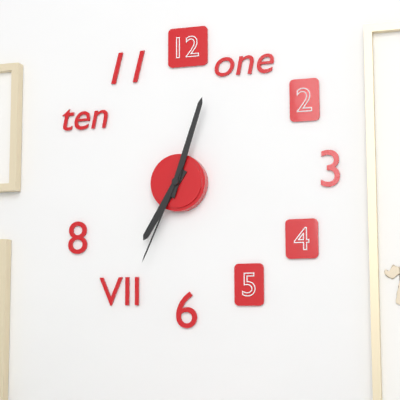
h=7 m=3 s=34
